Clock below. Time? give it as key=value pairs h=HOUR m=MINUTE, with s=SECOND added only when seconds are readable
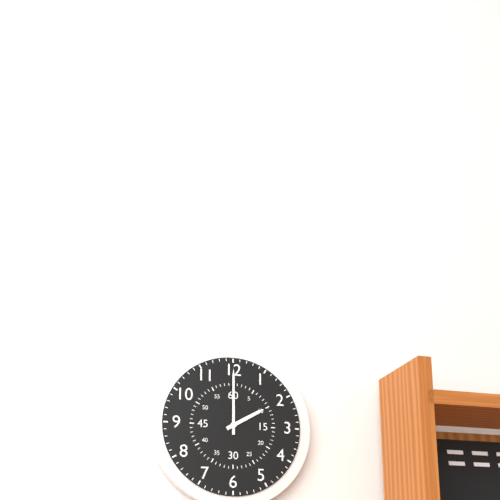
h=2 m=0
